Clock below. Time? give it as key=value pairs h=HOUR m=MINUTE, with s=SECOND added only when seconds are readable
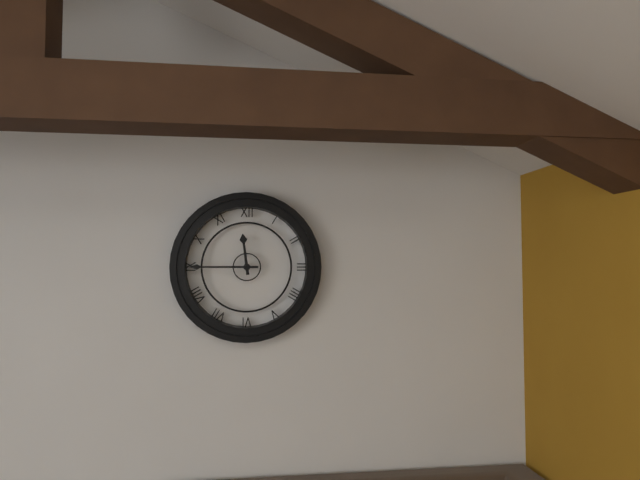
h=11 m=45
